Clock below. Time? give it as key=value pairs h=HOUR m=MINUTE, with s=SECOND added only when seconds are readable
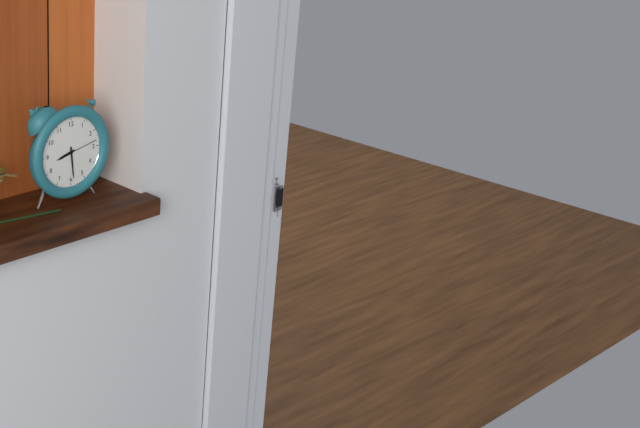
h=8 m=29
